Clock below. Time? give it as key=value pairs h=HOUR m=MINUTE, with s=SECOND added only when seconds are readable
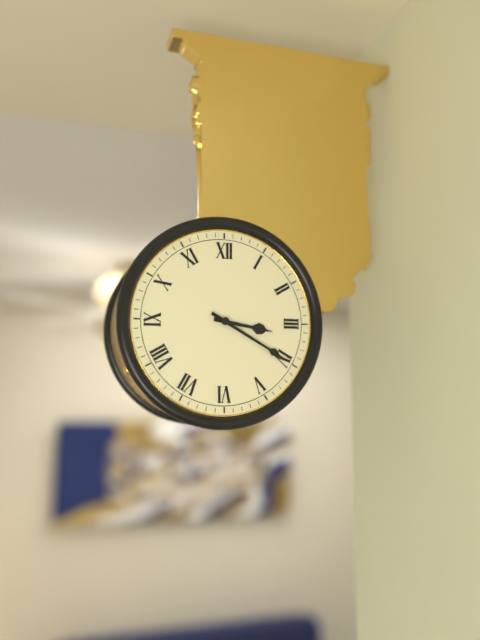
h=3 m=20
